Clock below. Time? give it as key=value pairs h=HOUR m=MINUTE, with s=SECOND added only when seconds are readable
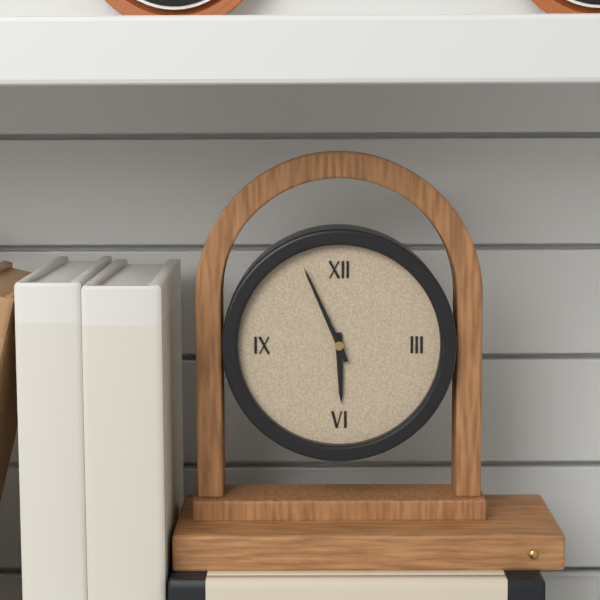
h=5 m=56
